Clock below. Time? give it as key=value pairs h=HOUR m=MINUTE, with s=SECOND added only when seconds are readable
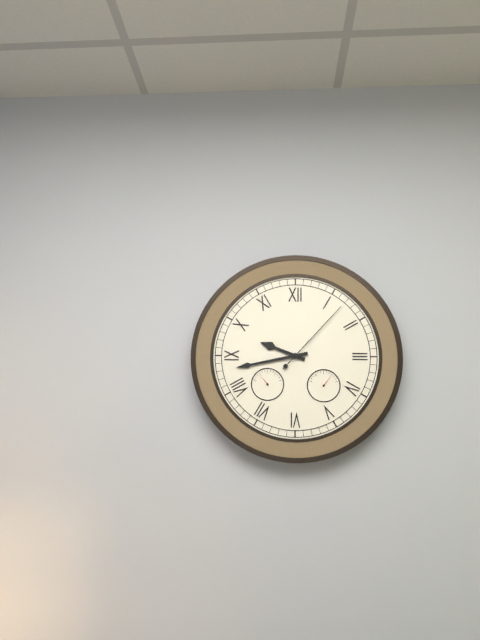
h=9 m=43 s=7
